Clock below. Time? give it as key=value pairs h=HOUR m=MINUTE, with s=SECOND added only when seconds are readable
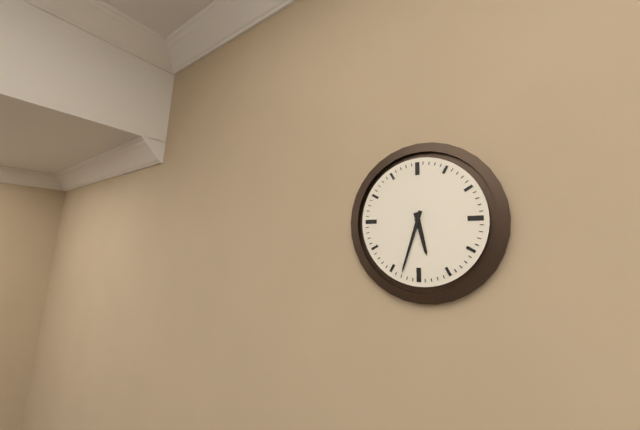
h=5 m=33
